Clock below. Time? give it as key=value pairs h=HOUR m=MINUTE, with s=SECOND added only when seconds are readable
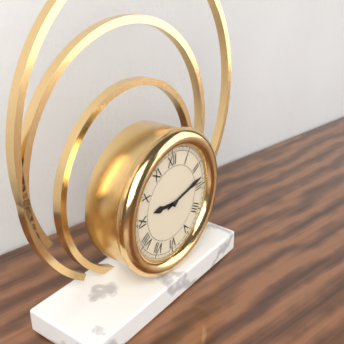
h=9 m=13
